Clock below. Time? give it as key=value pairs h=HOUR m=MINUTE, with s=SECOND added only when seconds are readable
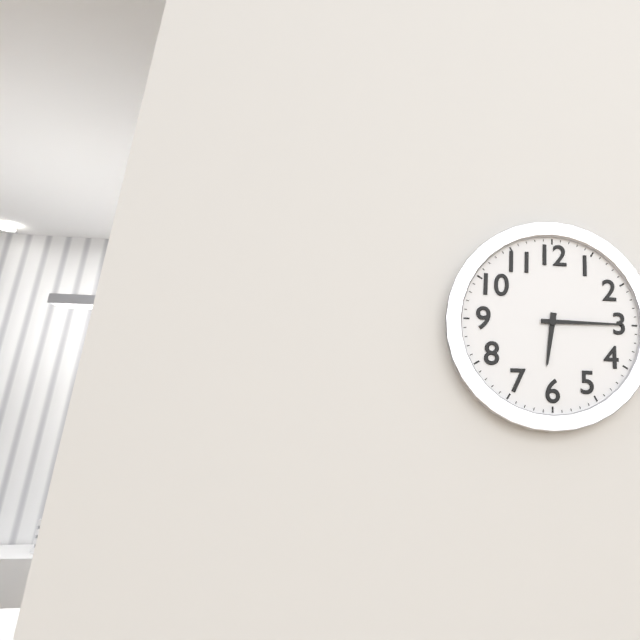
h=6 m=15
